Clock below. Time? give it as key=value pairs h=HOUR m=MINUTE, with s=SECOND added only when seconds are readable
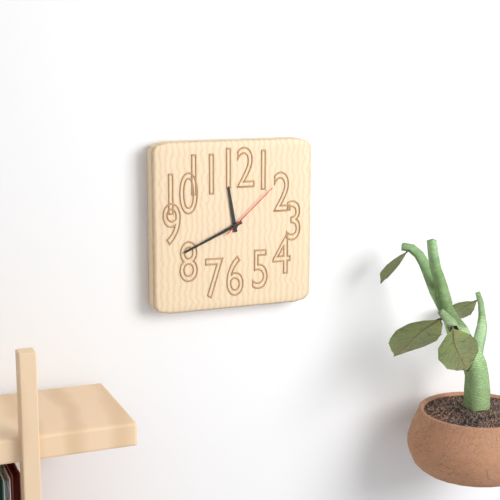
h=11 m=41 s=8
